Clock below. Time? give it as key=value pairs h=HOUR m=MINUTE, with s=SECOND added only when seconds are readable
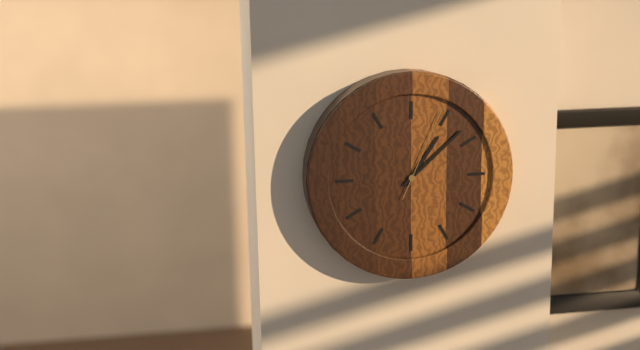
h=1 m=8 s=4
